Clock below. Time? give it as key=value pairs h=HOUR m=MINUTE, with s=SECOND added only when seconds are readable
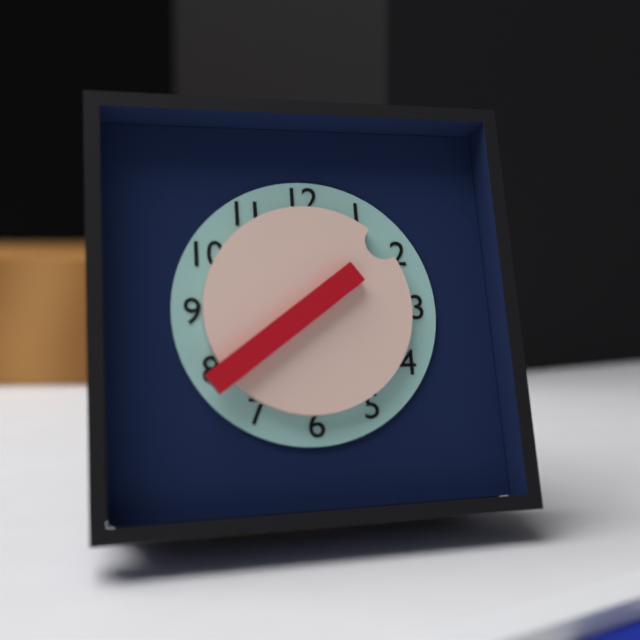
h=1 m=39
